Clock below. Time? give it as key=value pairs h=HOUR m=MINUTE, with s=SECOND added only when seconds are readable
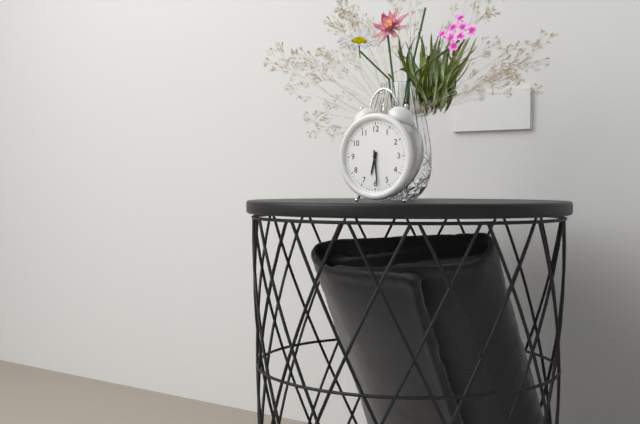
h=6 m=29
